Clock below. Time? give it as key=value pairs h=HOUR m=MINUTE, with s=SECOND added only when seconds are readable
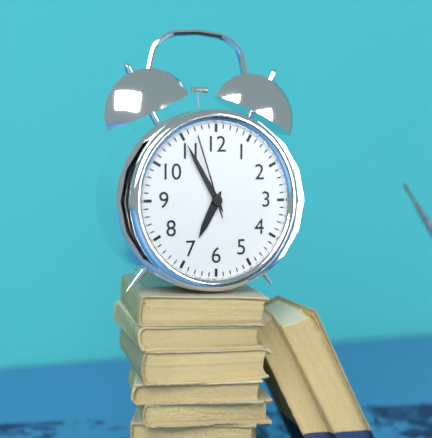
h=6 m=55 s=57
